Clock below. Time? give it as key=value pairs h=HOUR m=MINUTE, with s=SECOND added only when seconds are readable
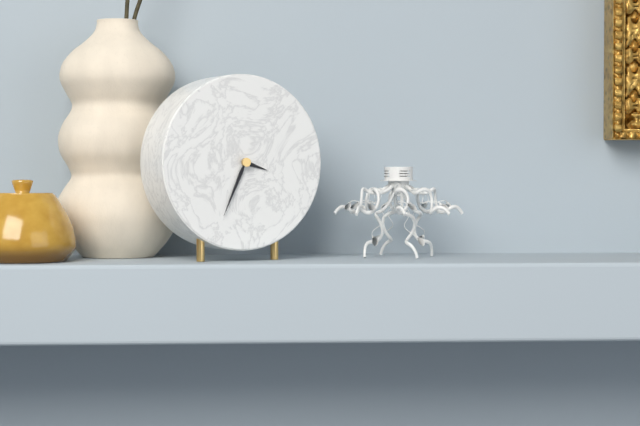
h=3 m=34
